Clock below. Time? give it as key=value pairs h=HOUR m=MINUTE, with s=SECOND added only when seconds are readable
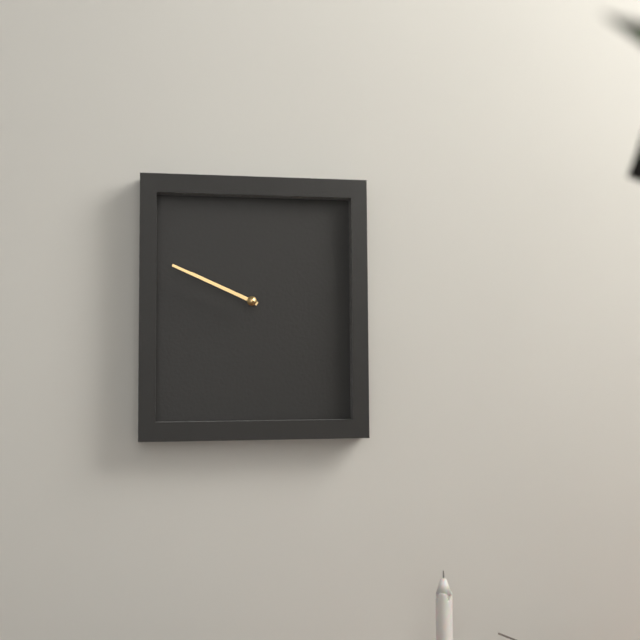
h=9 m=49
